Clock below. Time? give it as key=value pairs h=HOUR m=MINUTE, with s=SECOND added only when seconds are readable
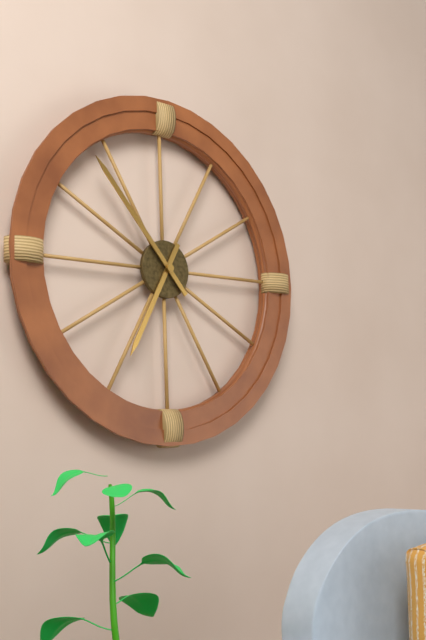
h=6 m=53
